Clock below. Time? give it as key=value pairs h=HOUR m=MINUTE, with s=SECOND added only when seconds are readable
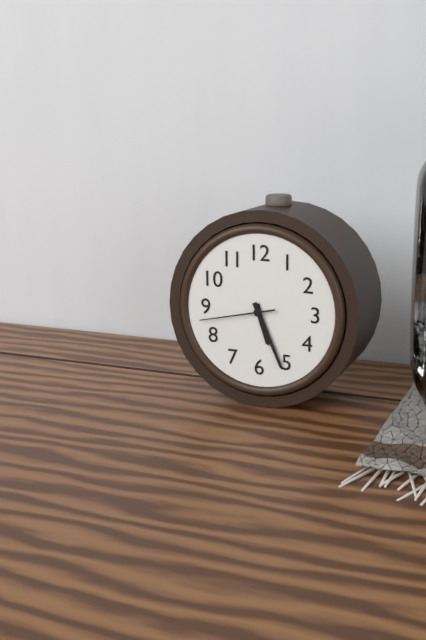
h=5 m=26 s=43
